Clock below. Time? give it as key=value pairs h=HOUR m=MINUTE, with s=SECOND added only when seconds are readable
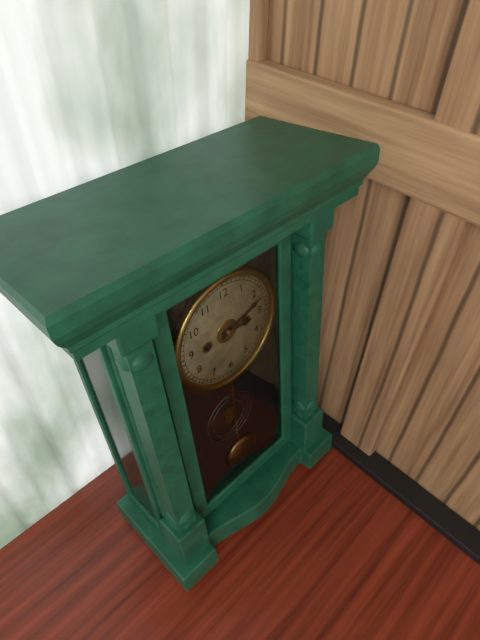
h=3 m=12
